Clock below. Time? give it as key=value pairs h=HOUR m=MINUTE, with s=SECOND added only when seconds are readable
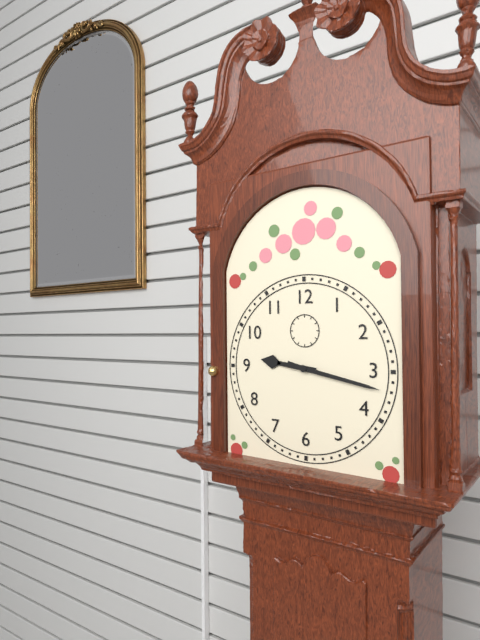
h=9 m=17
